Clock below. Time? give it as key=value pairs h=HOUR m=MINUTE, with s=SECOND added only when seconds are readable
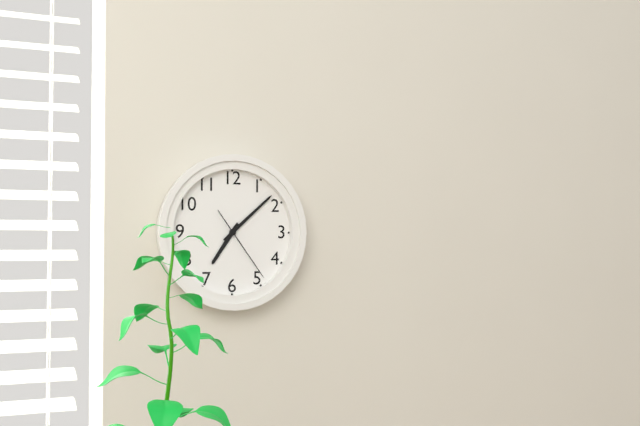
h=7 m=8 s=24
